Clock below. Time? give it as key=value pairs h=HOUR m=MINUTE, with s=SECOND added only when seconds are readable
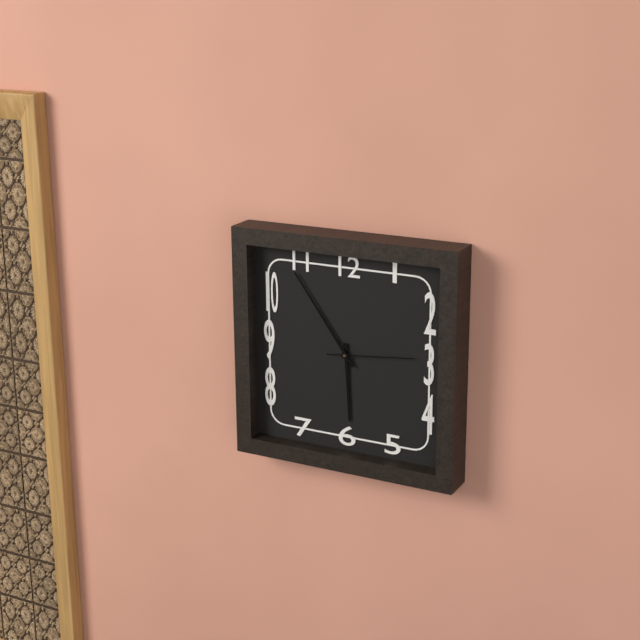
h=5 m=54 s=14
